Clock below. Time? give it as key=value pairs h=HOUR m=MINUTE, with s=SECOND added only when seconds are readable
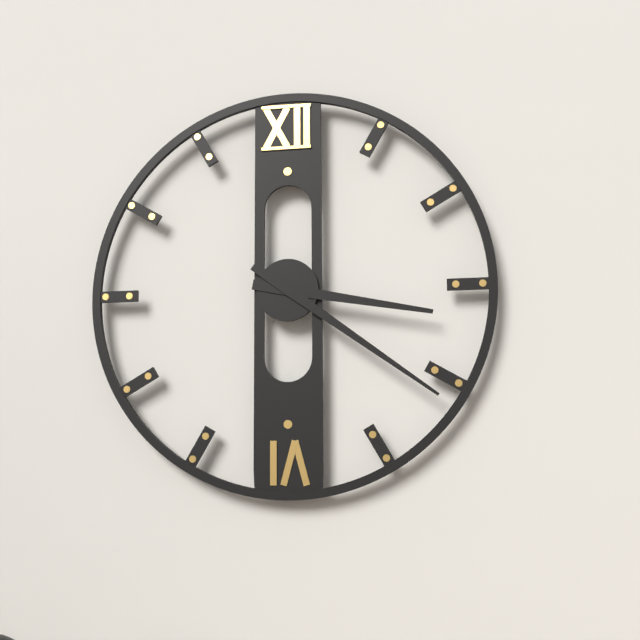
h=3 m=21
